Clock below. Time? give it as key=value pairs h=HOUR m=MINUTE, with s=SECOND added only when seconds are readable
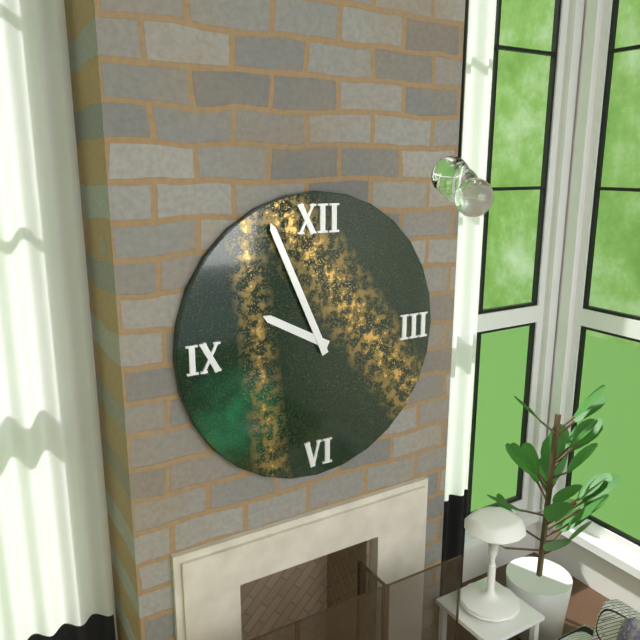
h=9 m=56
